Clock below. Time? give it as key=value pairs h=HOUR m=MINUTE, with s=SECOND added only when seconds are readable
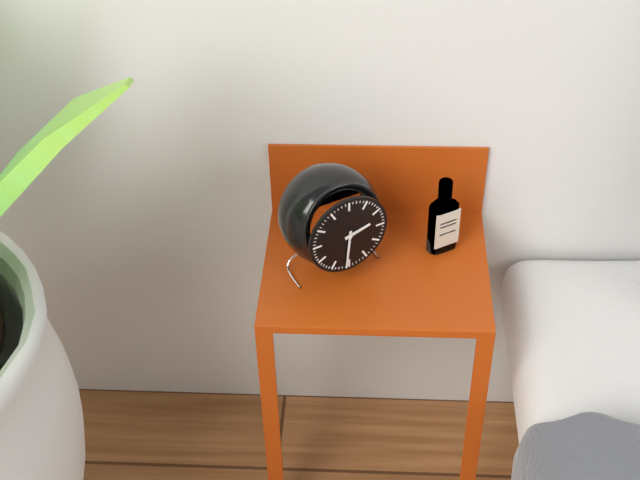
h=2 m=31
